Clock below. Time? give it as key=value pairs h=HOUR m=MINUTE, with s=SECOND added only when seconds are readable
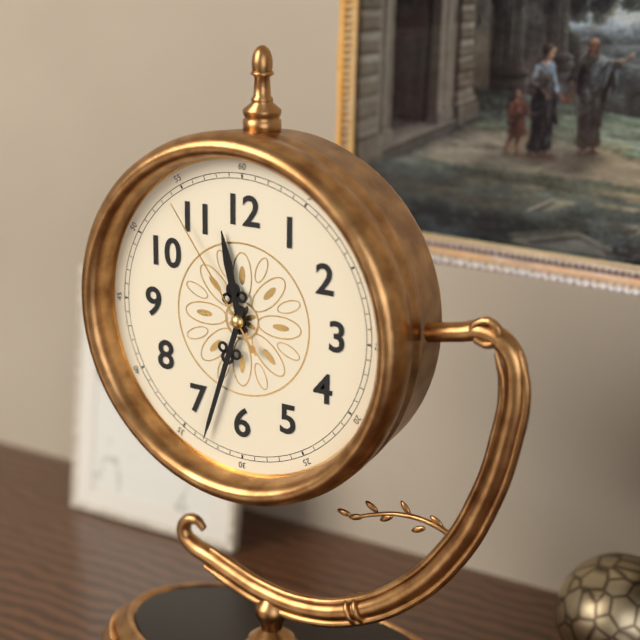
h=11 m=33 s=54
